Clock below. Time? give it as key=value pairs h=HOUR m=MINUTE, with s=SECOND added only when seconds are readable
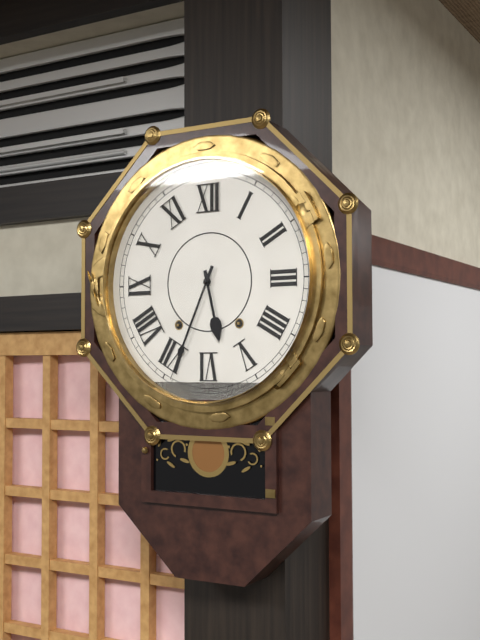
h=5 m=34
